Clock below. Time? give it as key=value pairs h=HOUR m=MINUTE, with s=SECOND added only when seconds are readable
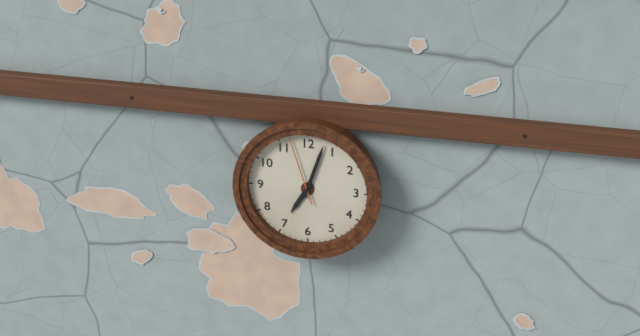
h=7 m=3 s=57
